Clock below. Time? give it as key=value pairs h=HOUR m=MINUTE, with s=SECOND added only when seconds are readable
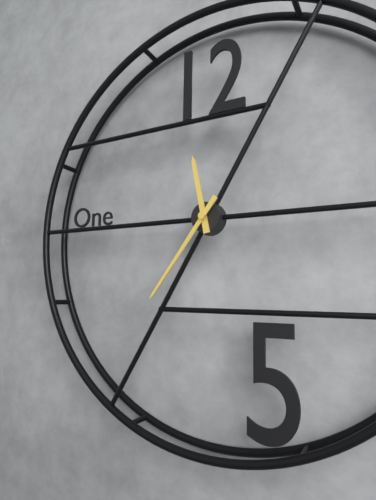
h=11 m=36
